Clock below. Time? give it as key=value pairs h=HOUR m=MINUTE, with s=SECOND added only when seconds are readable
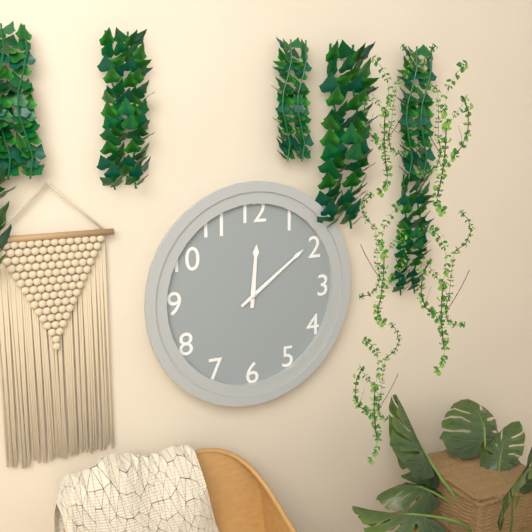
h=12 m=9
